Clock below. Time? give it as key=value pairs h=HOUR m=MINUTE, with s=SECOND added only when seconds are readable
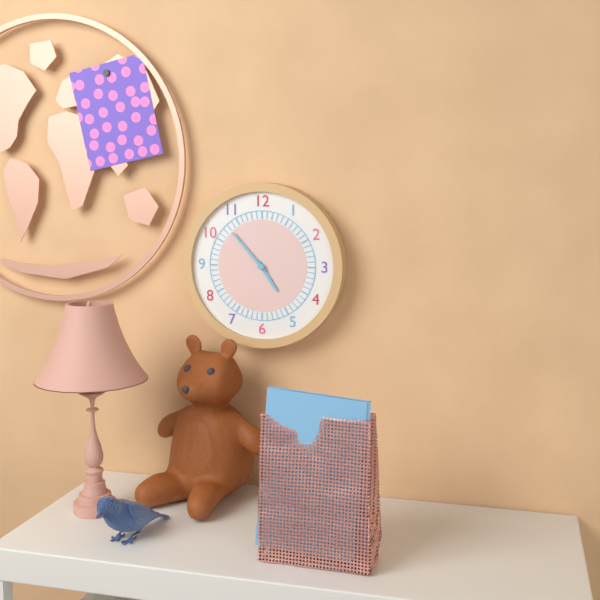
h=4 m=53
